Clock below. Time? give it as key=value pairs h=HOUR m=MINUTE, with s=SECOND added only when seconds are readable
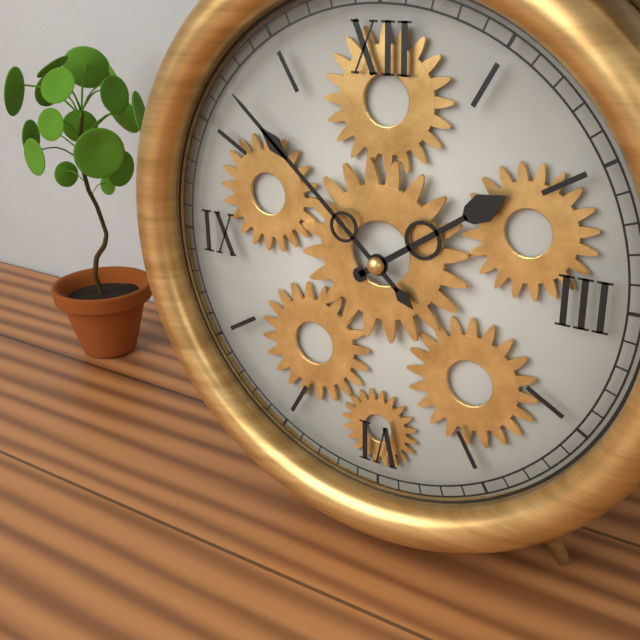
h=1 m=52
